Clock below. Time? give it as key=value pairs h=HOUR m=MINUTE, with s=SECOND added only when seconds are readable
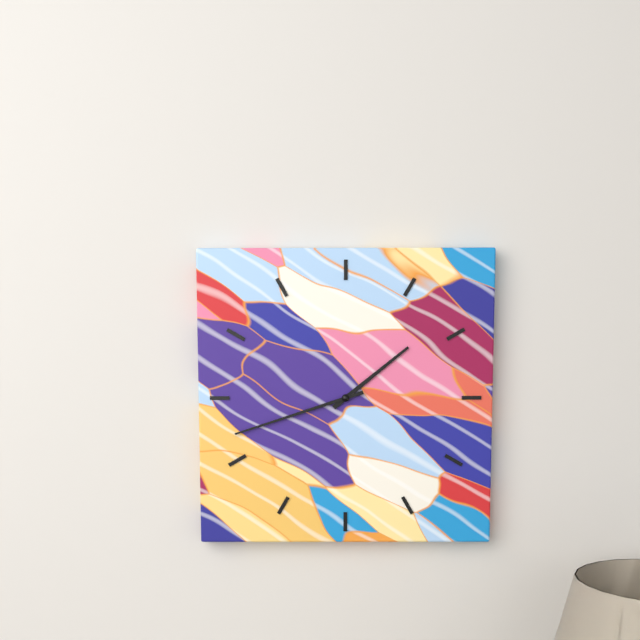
h=1 m=42
